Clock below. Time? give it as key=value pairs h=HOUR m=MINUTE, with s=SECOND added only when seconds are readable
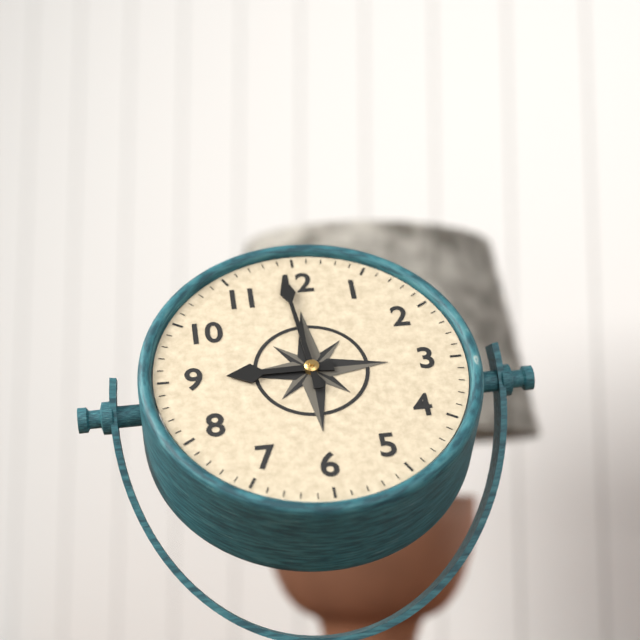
h=8 m=59
